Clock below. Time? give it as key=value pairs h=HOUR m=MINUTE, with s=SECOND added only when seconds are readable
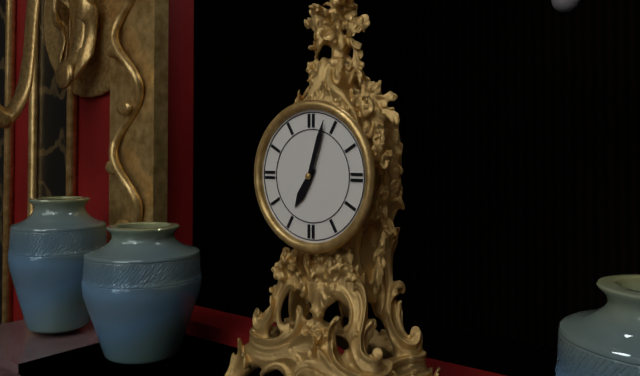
h=7 m=3
